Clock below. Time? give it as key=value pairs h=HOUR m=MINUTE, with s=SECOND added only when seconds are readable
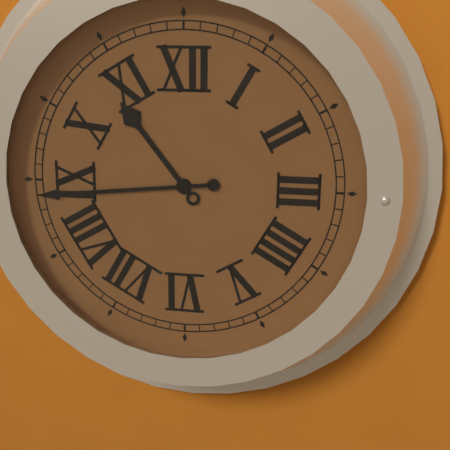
h=10 m=44
